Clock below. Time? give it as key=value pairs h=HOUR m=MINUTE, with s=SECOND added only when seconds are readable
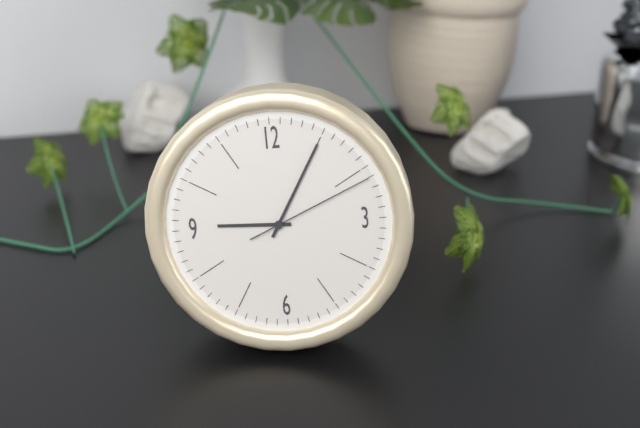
h=9 m=5 s=11
